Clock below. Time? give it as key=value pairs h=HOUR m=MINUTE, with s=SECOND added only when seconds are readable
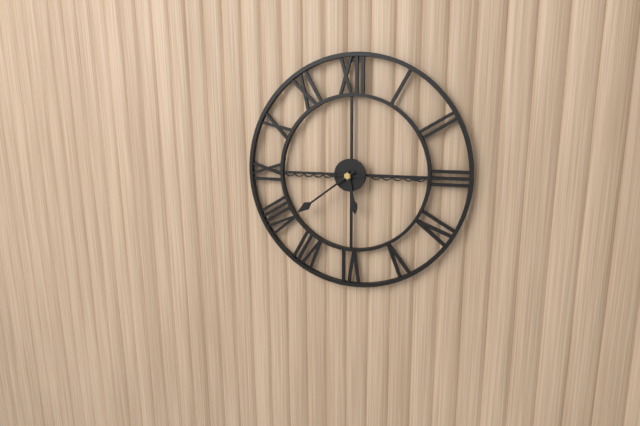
h=5 m=39 s=15
